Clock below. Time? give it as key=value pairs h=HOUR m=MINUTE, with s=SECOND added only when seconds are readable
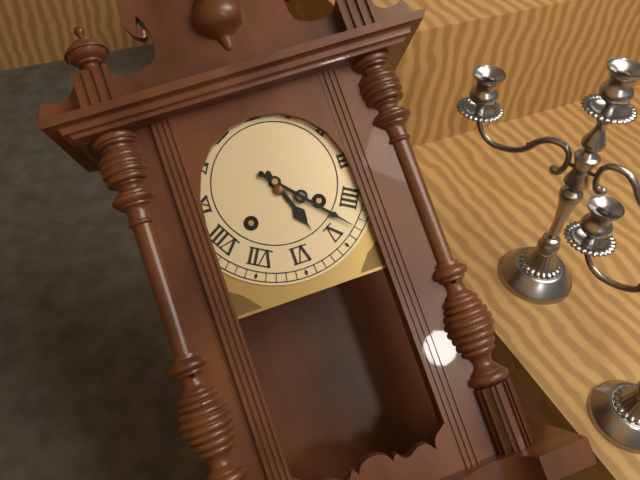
h=5 m=23
